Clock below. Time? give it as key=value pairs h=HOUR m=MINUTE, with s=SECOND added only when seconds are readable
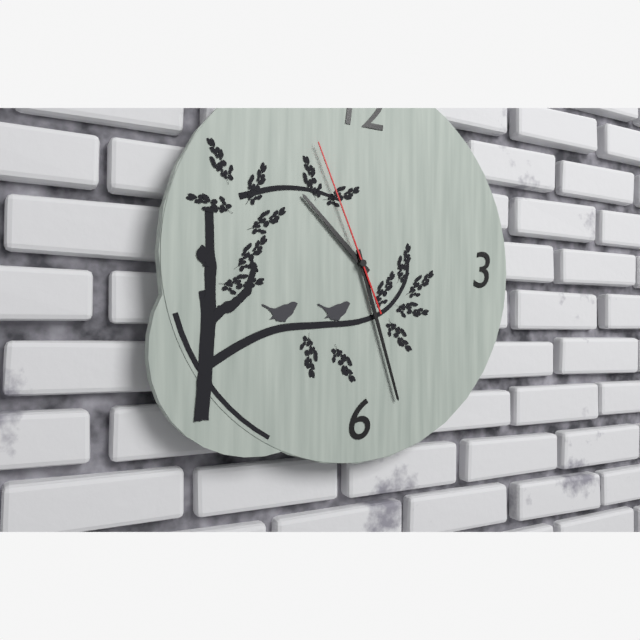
h=10 m=27 s=56
